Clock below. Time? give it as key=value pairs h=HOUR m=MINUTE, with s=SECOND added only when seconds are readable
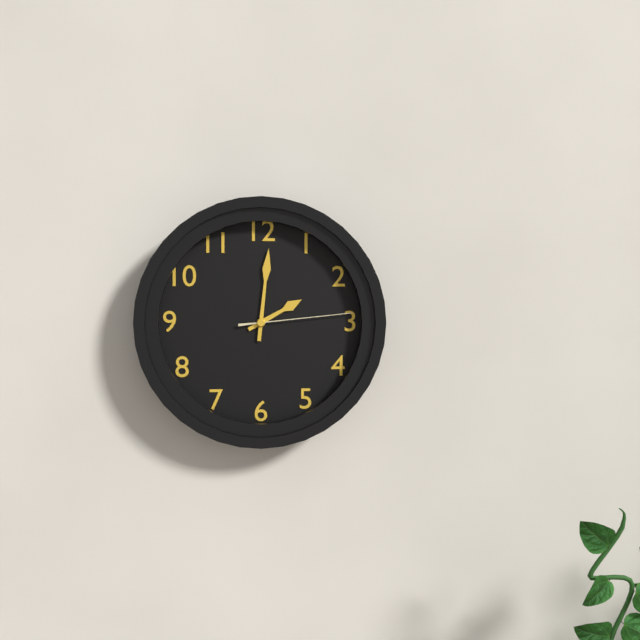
h=2 m=1 s=14
